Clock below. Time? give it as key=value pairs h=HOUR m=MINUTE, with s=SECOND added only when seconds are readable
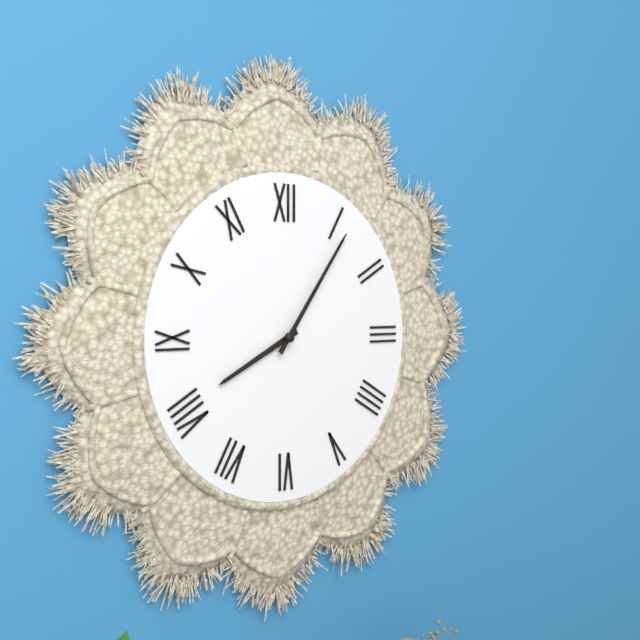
h=8 m=6
